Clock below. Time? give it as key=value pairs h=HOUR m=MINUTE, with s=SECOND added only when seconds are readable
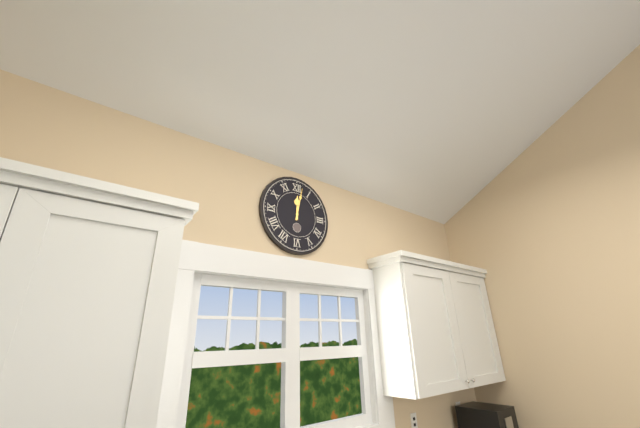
h=12 m=2
